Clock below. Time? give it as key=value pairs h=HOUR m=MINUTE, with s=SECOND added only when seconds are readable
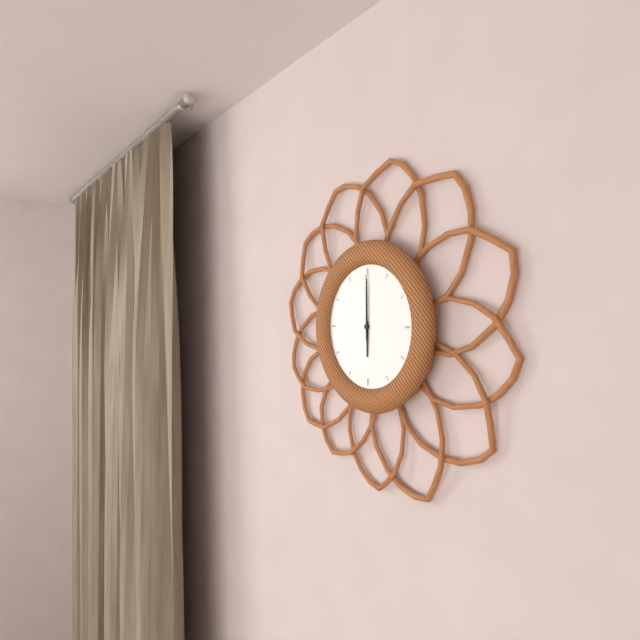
h=6 m=0 s=0
